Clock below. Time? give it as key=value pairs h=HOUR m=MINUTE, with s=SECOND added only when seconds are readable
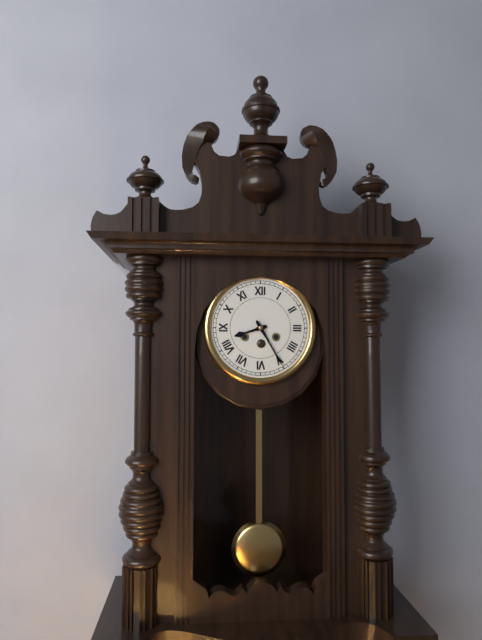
h=8 m=25
